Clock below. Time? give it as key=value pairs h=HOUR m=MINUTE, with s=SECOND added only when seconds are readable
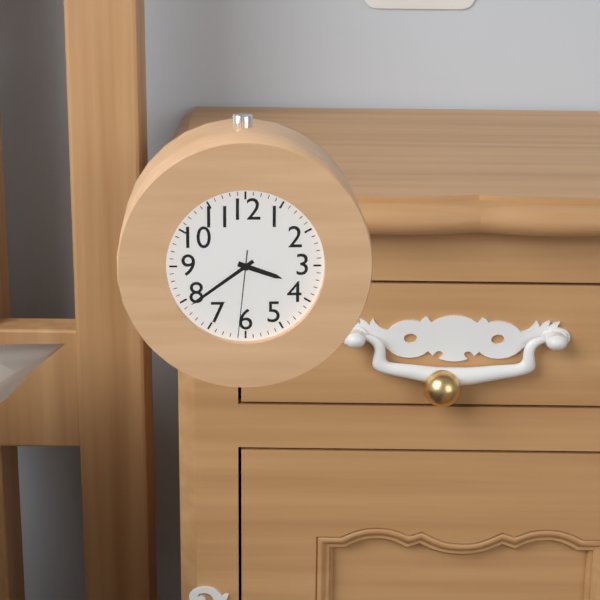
h=3 m=39 s=31
